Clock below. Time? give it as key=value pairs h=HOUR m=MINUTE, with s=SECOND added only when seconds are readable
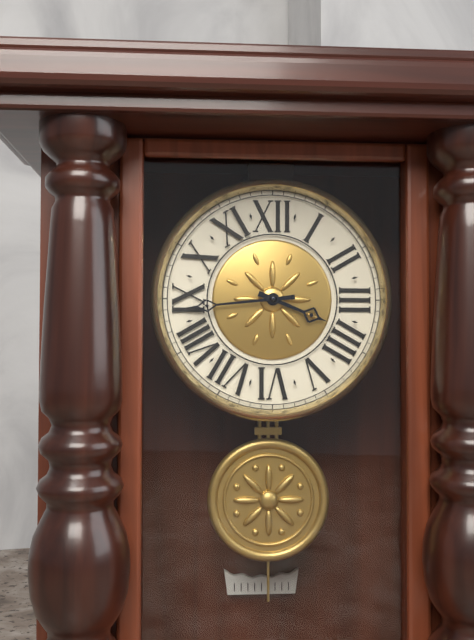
h=3 m=44
